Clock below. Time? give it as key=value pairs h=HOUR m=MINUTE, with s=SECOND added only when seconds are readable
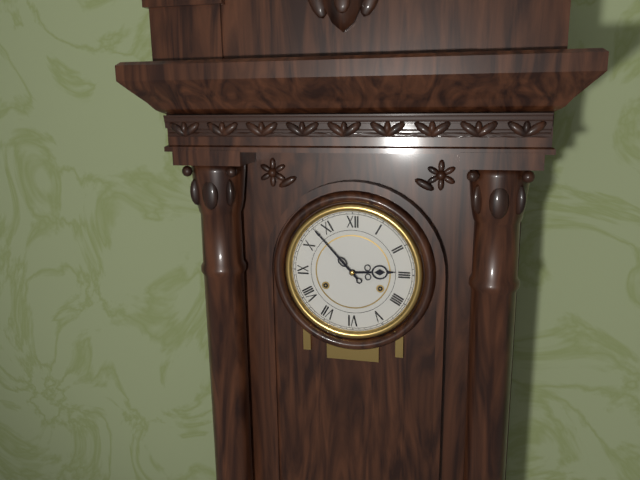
h=2 m=53
